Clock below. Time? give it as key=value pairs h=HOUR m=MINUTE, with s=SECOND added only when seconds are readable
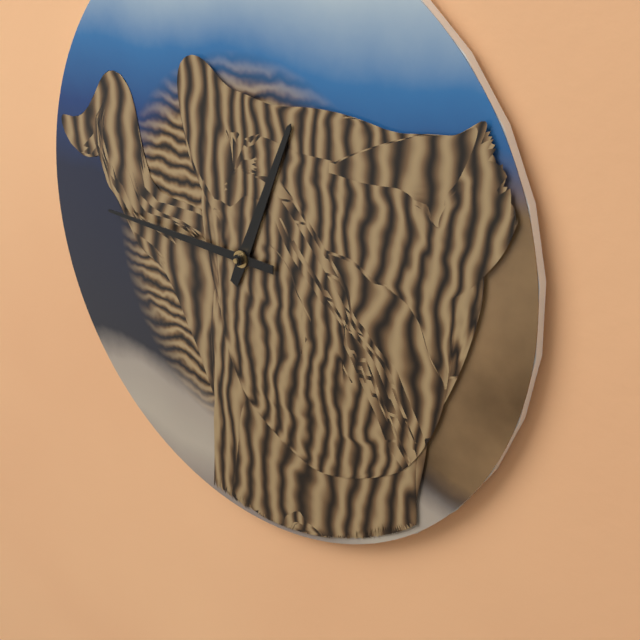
h=12 m=45
